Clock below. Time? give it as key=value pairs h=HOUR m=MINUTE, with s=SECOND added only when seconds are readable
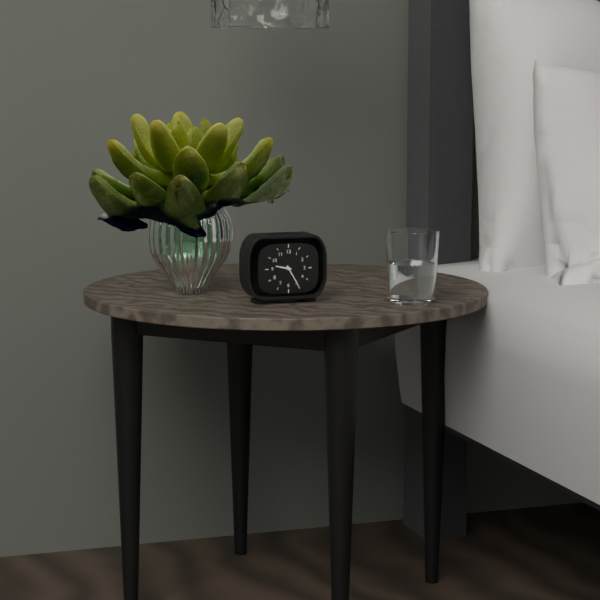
h=9 m=25
